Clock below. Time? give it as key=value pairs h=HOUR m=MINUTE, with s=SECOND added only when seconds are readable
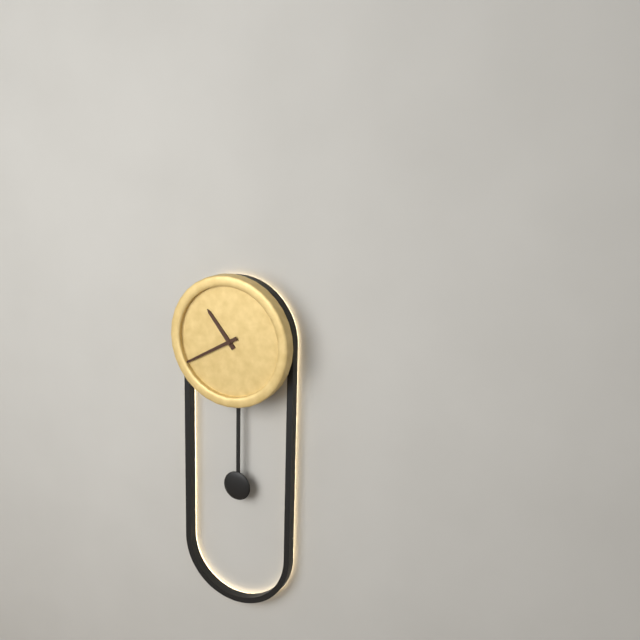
h=10 m=40
